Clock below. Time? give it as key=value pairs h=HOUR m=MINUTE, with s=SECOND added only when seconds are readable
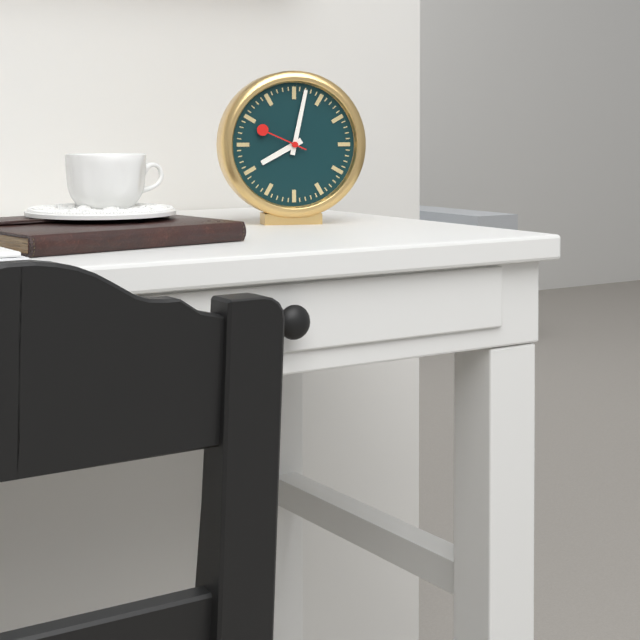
h=8 m=2
